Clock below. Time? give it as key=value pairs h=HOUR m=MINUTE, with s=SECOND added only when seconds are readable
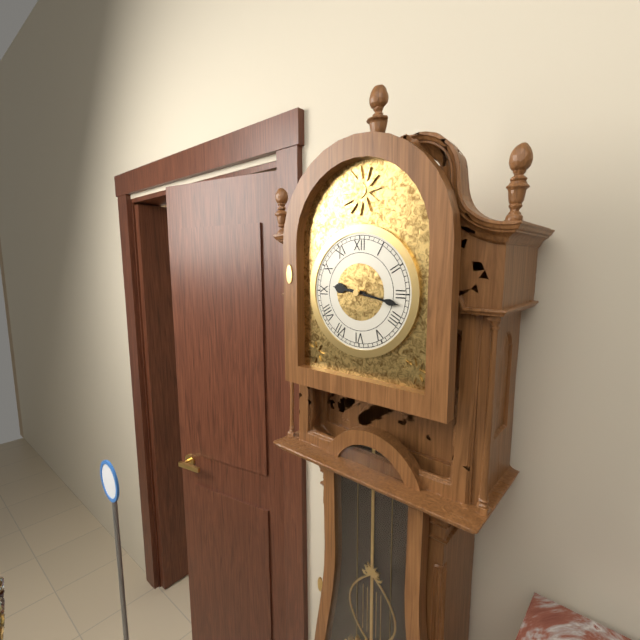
h=9 m=17
